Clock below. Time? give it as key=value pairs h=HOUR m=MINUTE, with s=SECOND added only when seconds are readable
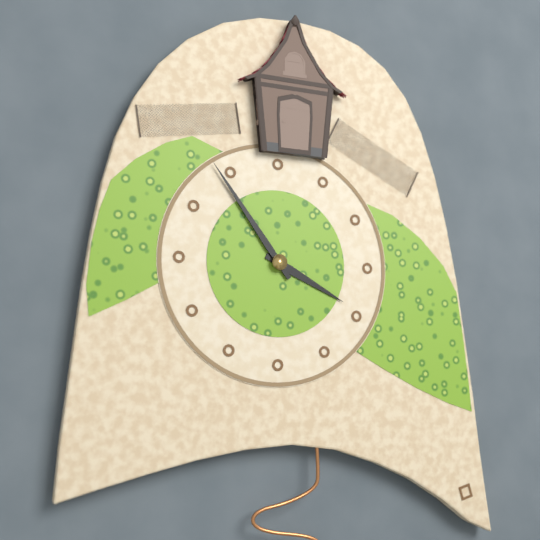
h=3 m=54
